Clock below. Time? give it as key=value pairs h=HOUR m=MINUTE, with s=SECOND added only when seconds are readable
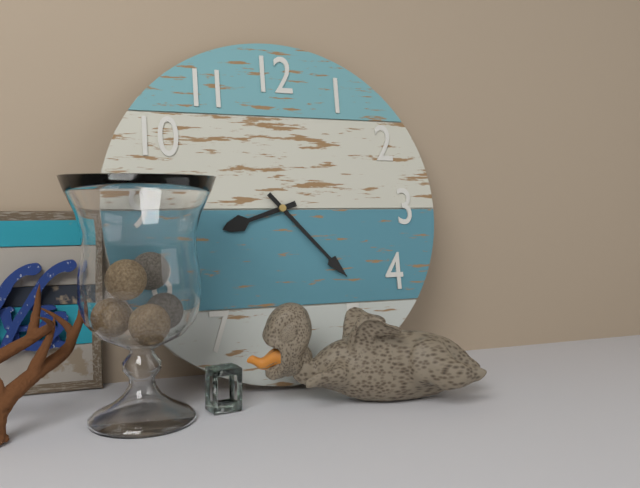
h=8 m=23
